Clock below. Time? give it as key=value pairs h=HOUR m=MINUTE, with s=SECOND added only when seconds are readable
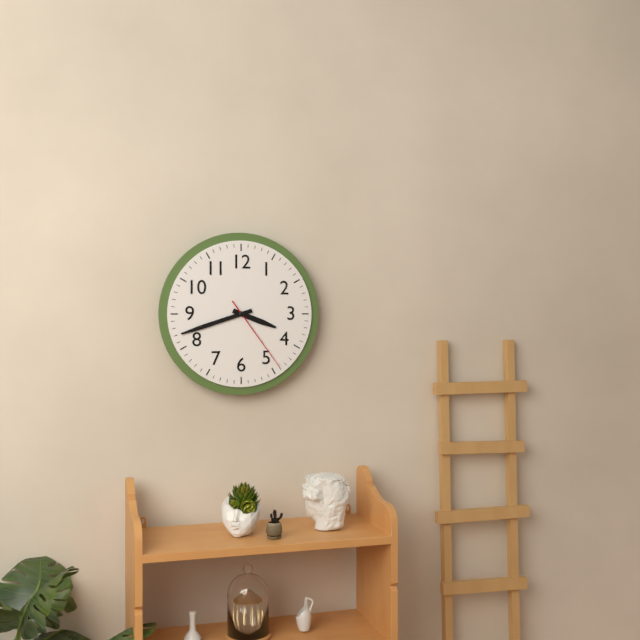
h=3 m=42 s=24
